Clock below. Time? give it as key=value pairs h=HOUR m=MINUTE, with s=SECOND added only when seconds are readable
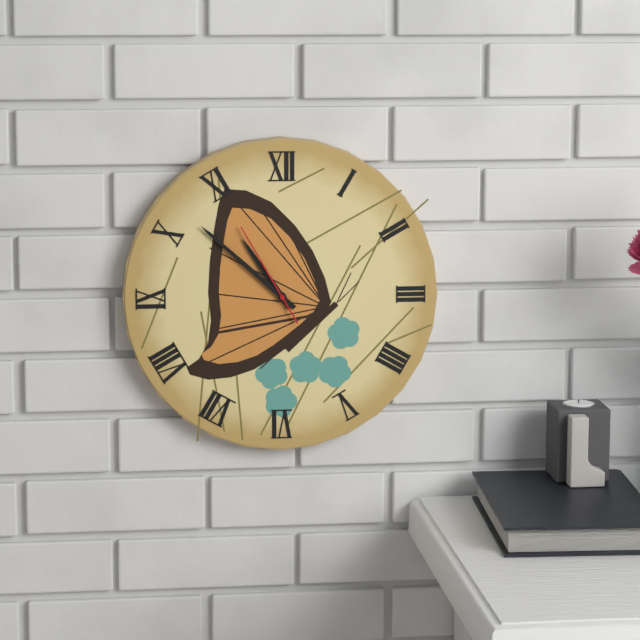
h=10 m=52 s=55
